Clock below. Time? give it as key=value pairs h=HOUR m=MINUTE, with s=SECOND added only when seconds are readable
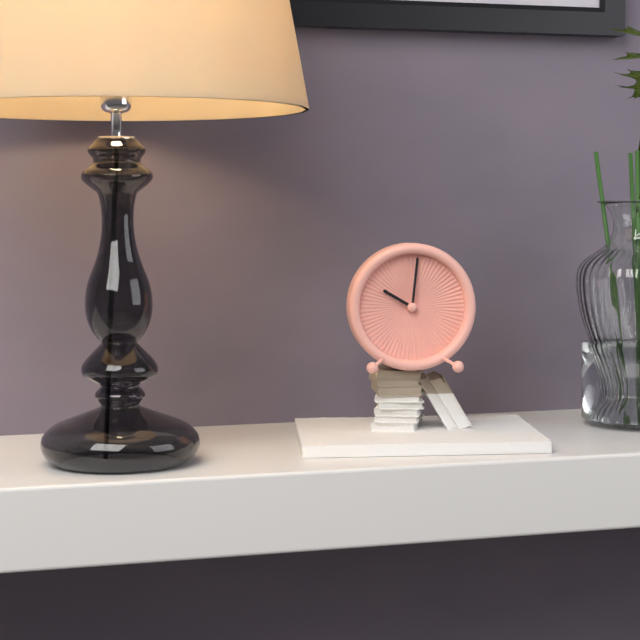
h=10 m=1
